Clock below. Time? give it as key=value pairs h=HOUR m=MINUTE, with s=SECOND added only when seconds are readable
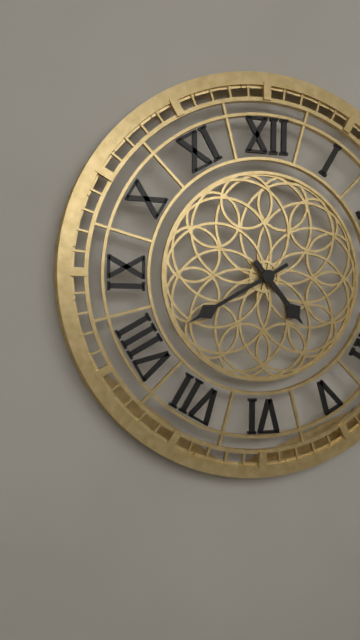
h=4 m=40
